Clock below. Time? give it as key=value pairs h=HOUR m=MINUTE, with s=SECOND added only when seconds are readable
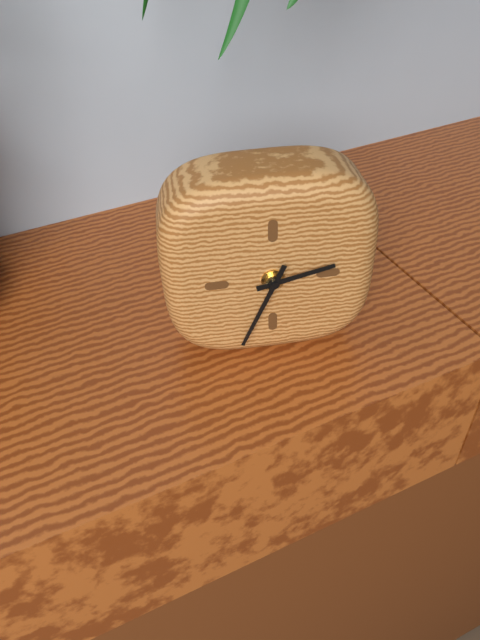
h=2 m=34
